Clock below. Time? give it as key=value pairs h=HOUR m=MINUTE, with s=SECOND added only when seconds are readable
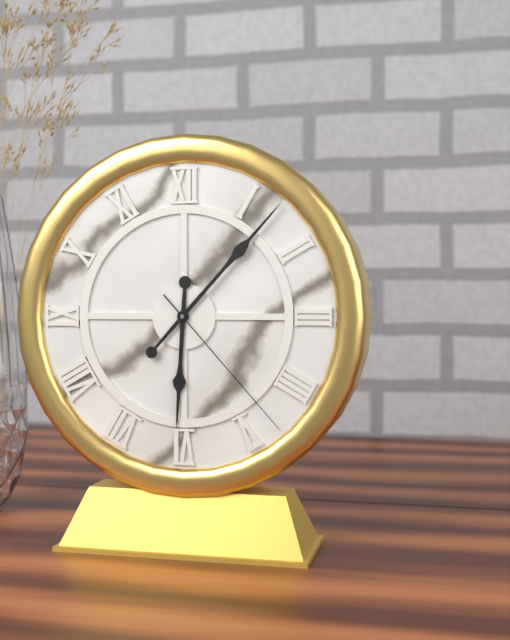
h=6 m=7 s=23
